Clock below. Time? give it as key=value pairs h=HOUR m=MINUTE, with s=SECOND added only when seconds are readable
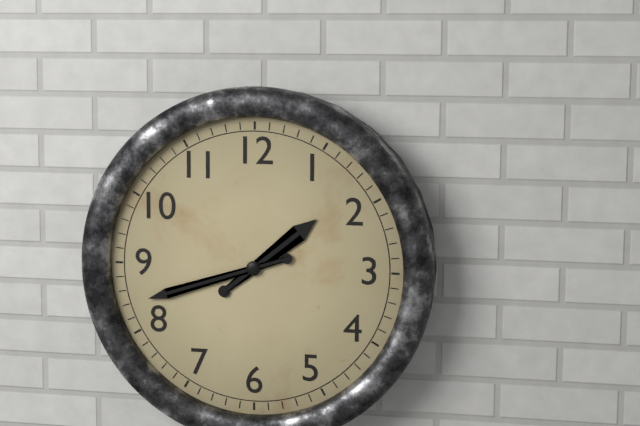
h=1 m=42
